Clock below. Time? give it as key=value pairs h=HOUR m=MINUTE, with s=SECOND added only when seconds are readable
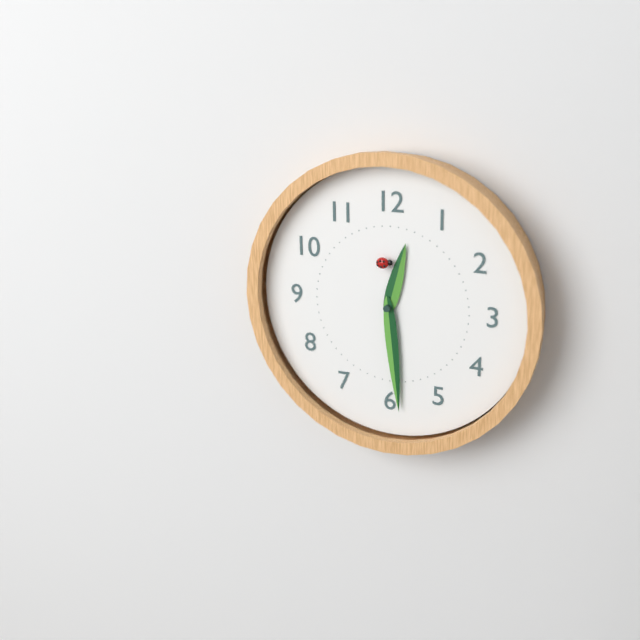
h=12 m=29 s=59
